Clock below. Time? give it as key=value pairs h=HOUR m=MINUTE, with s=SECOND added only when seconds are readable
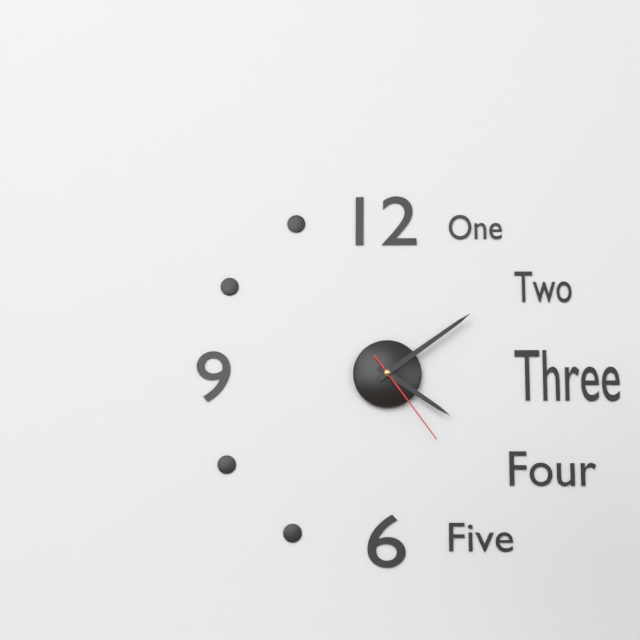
h=4 m=9 s=24
